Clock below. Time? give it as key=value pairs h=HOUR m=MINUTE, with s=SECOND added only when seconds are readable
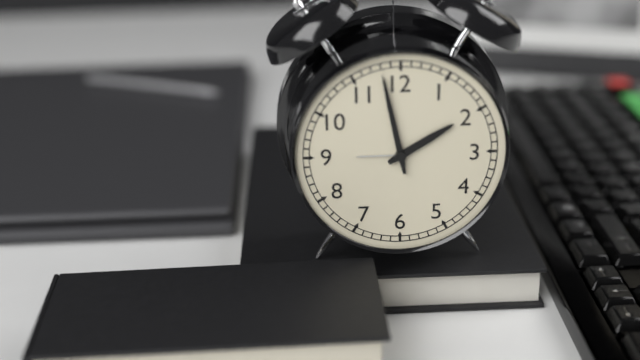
h=1 m=58
